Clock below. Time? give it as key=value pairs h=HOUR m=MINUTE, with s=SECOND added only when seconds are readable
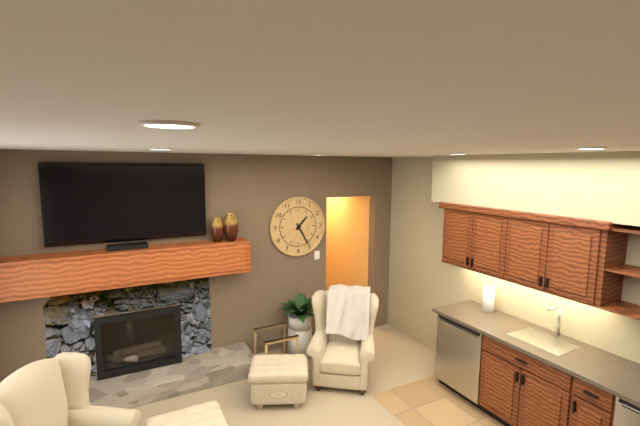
h=1 m=25
